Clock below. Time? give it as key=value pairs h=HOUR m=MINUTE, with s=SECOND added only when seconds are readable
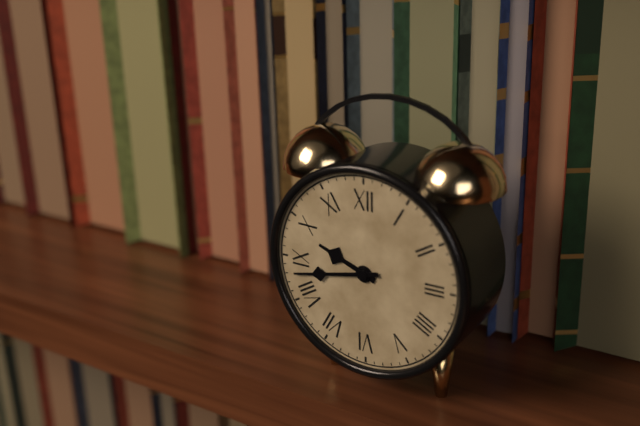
h=9 m=43
